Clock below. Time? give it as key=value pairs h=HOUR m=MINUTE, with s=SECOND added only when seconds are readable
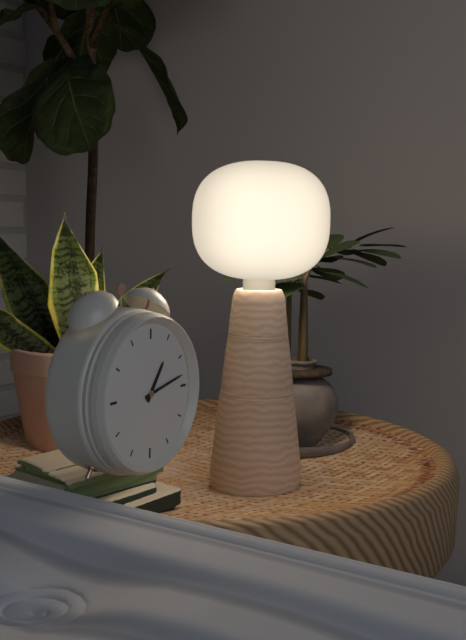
h=1 m=13
